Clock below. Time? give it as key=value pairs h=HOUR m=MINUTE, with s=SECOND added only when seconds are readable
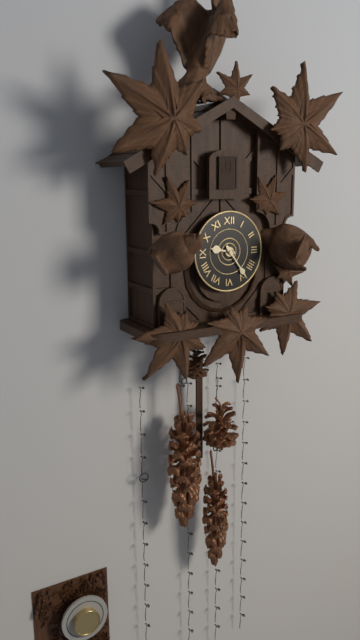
h=9 m=24
